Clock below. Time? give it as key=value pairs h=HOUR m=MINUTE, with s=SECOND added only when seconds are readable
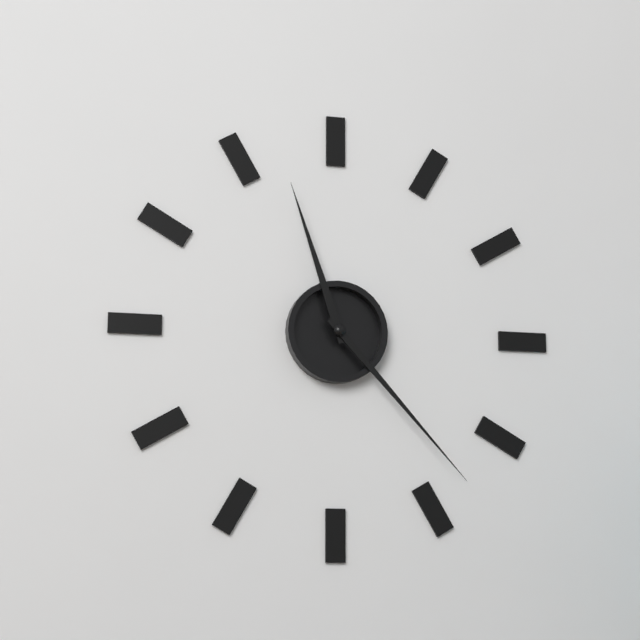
h=11 m=23
